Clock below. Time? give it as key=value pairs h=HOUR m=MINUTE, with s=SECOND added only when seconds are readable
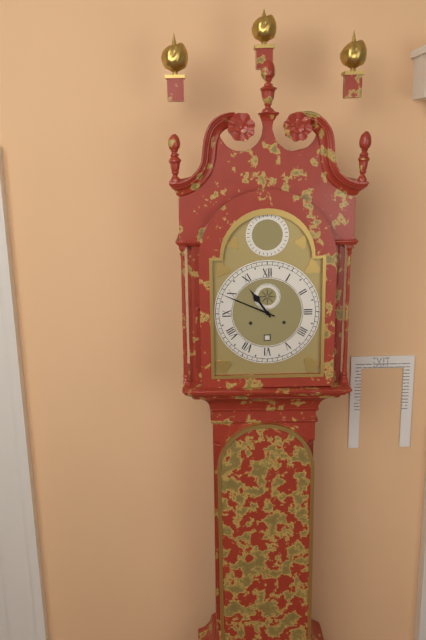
h=10 m=49
